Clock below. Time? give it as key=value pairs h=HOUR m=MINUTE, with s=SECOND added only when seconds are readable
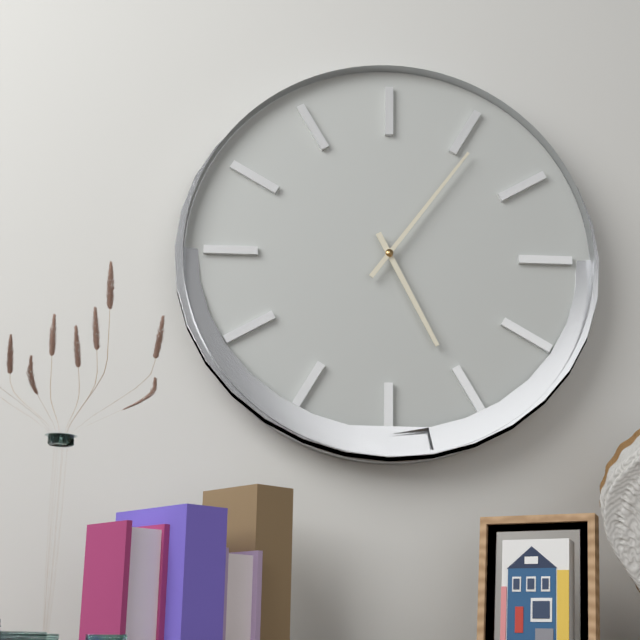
h=5 m=6
